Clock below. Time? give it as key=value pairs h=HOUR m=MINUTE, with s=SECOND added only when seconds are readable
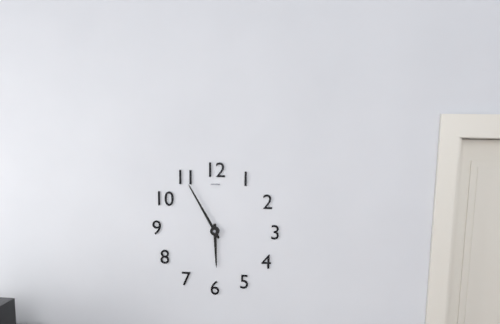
h=5 m=55
